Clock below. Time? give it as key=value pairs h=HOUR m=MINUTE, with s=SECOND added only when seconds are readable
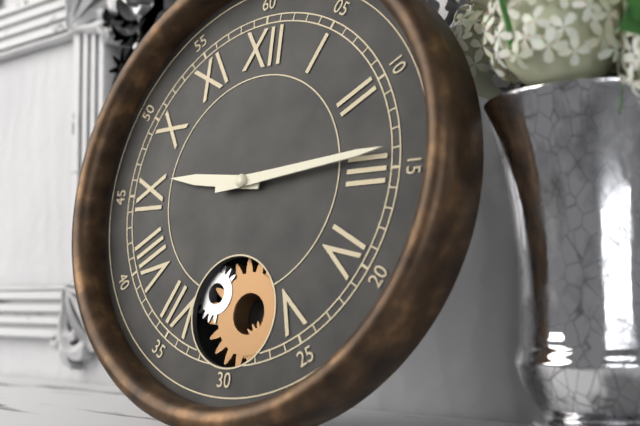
h=9 m=14
